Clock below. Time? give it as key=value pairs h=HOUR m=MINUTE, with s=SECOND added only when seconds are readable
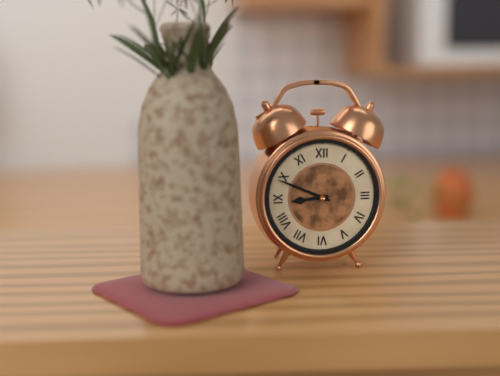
h=8 m=49
